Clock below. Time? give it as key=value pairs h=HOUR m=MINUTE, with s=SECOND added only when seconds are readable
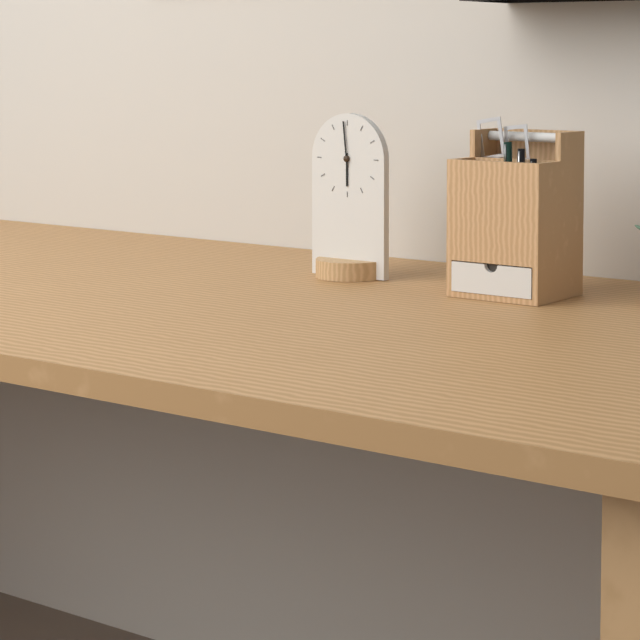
h=5 m=59
